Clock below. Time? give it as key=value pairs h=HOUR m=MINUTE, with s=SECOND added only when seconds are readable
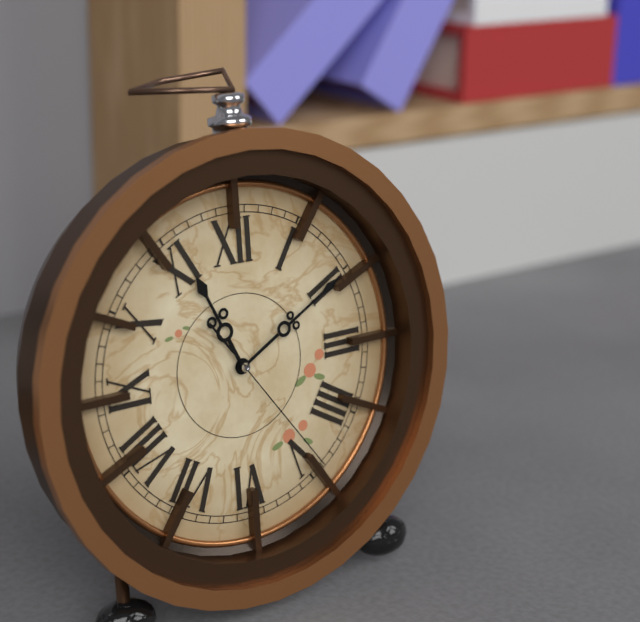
h=11 m=10 s=24
